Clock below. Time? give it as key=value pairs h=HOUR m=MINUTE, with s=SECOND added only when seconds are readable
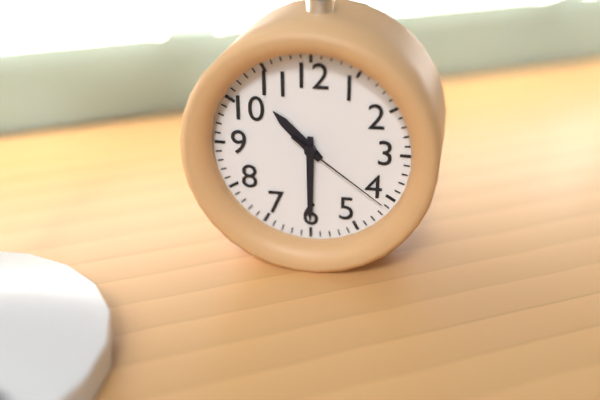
h=10 m=30 s=21
